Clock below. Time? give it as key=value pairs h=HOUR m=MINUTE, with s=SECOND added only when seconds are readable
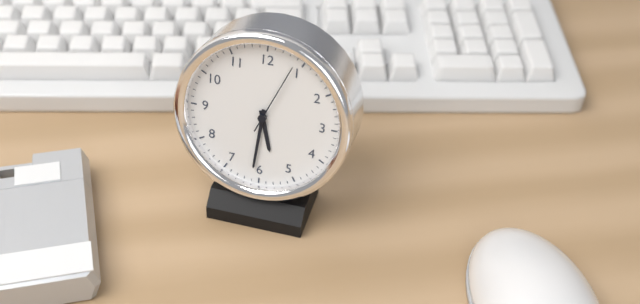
h=5 m=31 s=4
